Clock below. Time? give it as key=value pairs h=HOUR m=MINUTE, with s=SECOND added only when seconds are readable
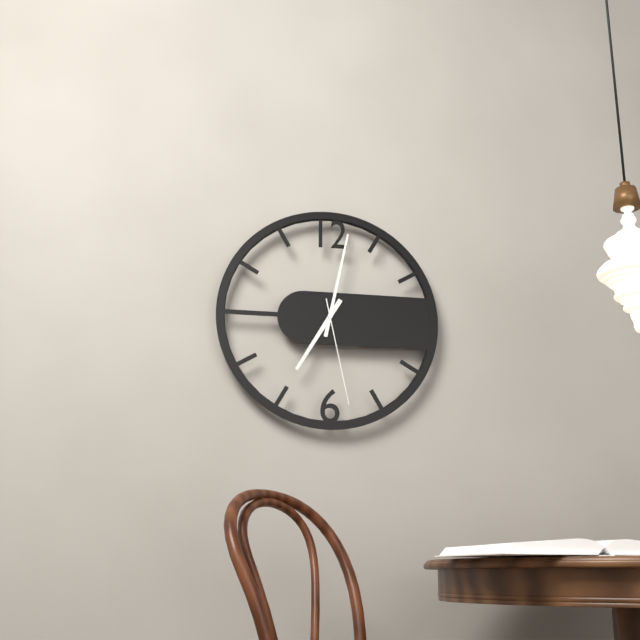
h=7 m=2 s=28
